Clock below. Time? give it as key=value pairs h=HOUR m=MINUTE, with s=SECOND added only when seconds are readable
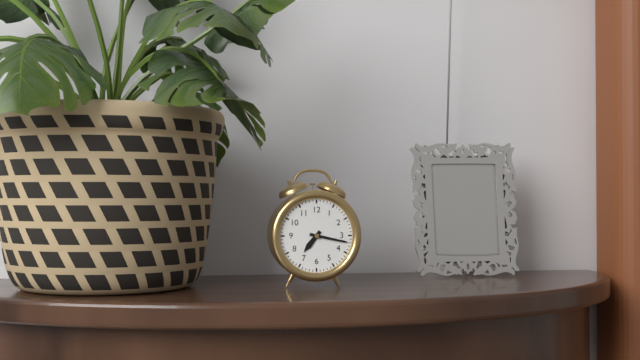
h=7 m=17
